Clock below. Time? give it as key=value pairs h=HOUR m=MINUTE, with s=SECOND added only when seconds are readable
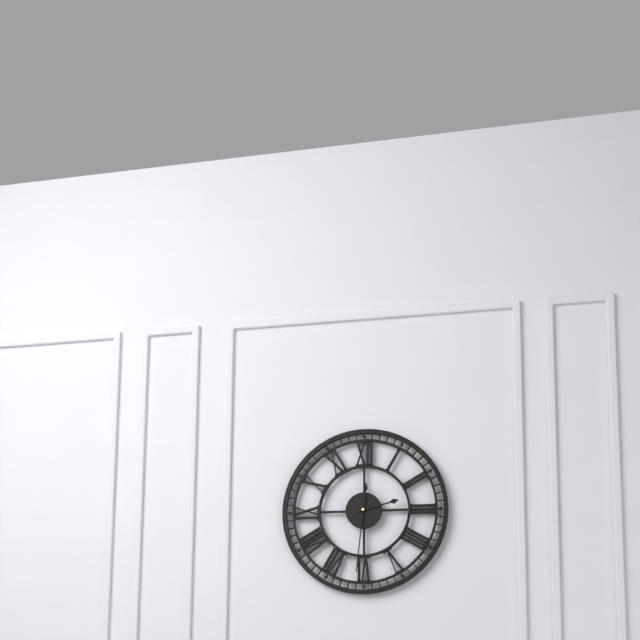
h=2 m=31
